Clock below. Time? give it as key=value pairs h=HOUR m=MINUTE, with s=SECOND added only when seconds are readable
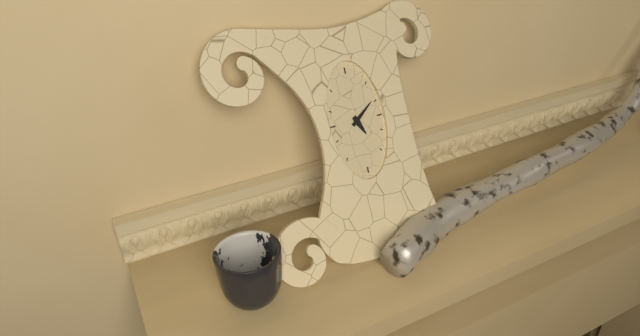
h=5 m=9
